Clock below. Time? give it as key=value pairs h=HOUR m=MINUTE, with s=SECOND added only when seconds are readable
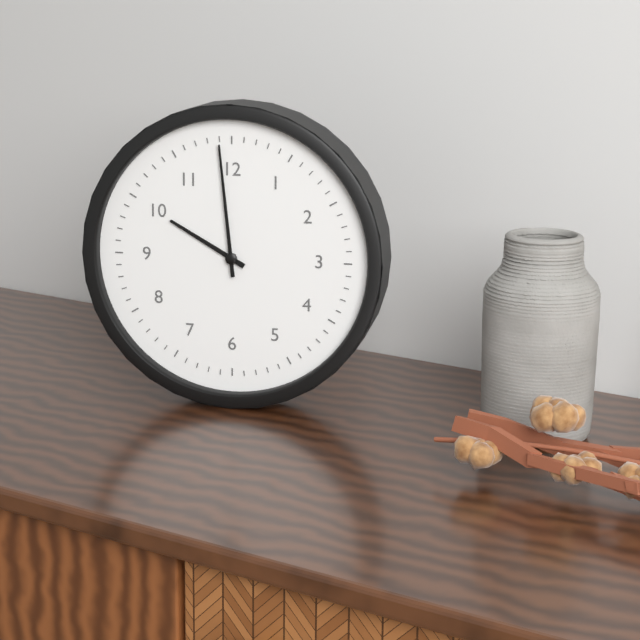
h=9 m=59
